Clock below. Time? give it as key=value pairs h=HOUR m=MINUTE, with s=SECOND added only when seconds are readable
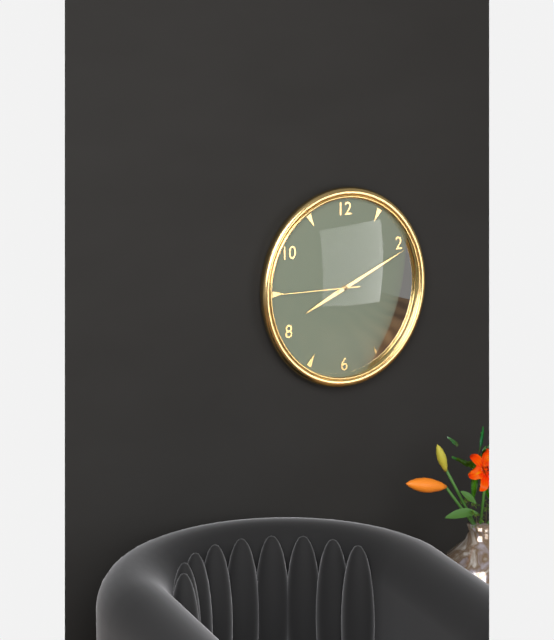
h=8 m=11 s=45
